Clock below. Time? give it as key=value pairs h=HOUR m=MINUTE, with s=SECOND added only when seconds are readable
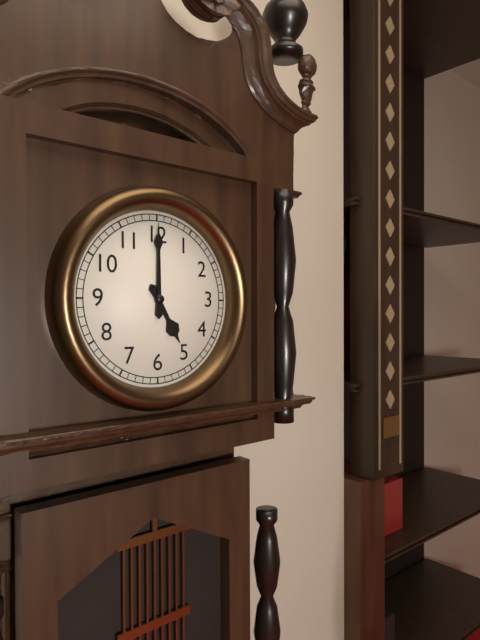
h=5 m=0
